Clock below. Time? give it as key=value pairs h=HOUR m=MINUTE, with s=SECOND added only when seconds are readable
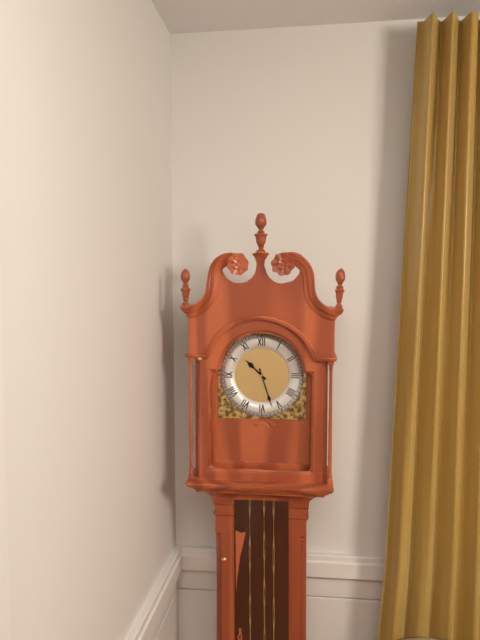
h=10 m=27
